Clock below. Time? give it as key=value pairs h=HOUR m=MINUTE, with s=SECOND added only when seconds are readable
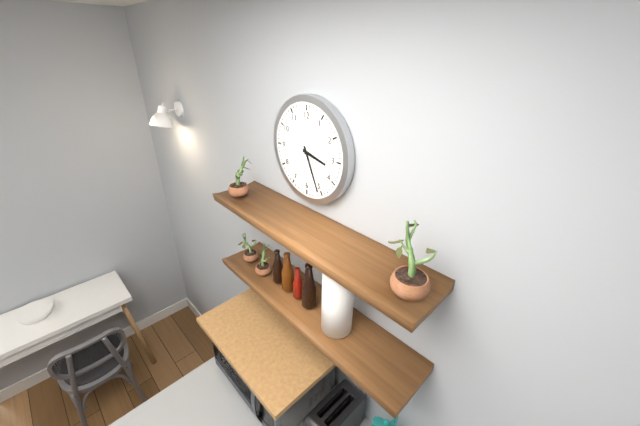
h=3 m=26
